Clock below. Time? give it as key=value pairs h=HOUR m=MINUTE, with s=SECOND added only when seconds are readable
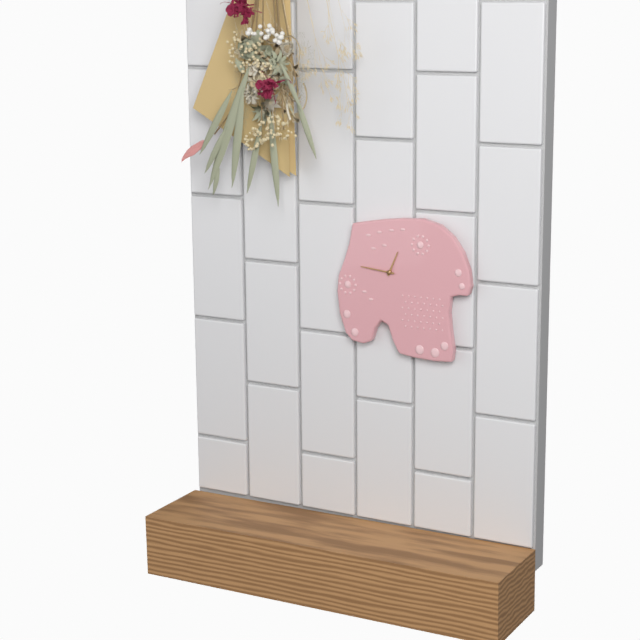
h=12 m=46
